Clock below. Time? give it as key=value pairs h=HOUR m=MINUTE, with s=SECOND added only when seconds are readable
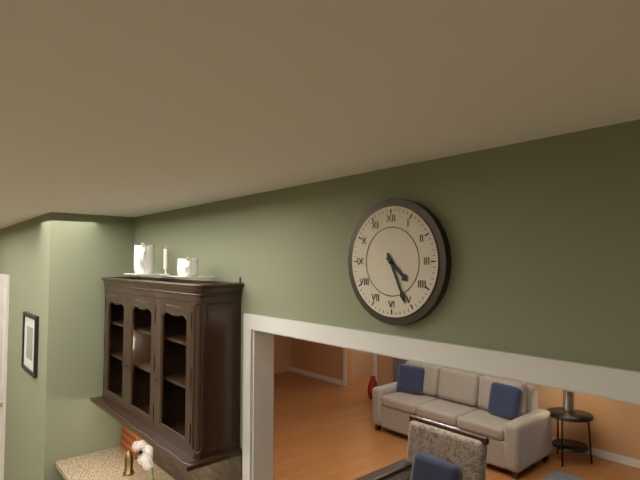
h=4 m=26
